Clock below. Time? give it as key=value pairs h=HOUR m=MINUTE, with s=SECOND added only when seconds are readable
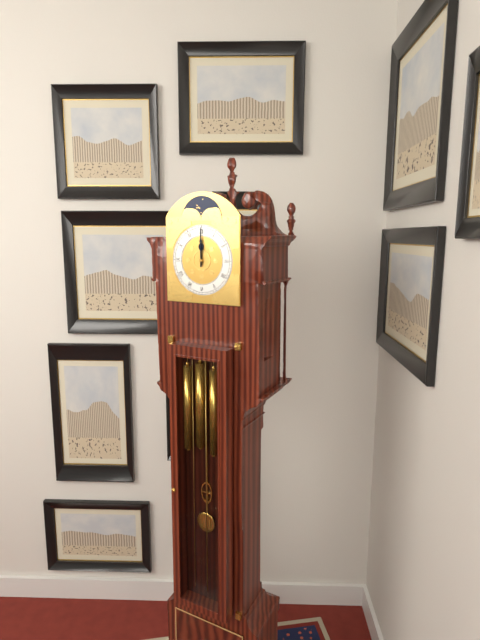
h=12 m=0
